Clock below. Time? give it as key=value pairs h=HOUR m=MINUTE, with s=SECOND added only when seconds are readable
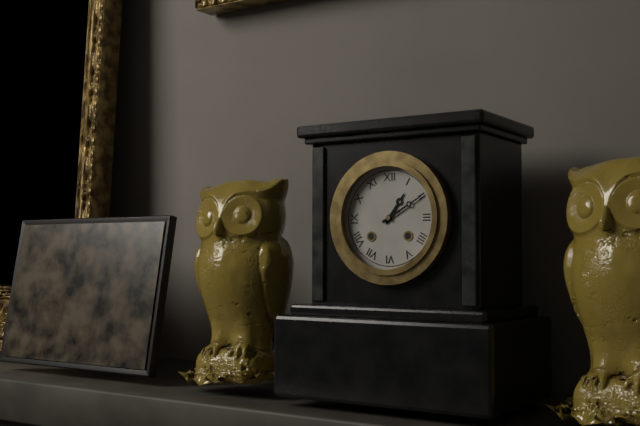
h=1 m=10
